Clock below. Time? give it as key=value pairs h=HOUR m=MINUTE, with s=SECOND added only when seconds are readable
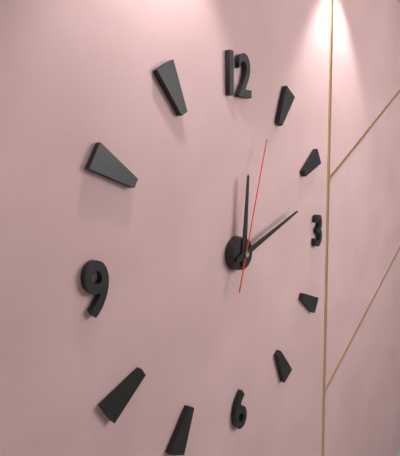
h=12 m=12 s=3
